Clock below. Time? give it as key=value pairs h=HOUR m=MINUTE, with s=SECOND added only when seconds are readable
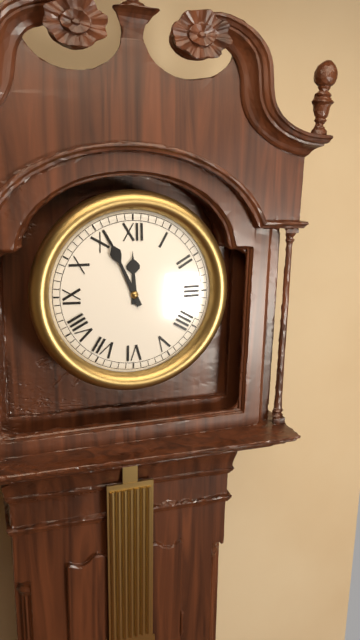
h=11 m=56
